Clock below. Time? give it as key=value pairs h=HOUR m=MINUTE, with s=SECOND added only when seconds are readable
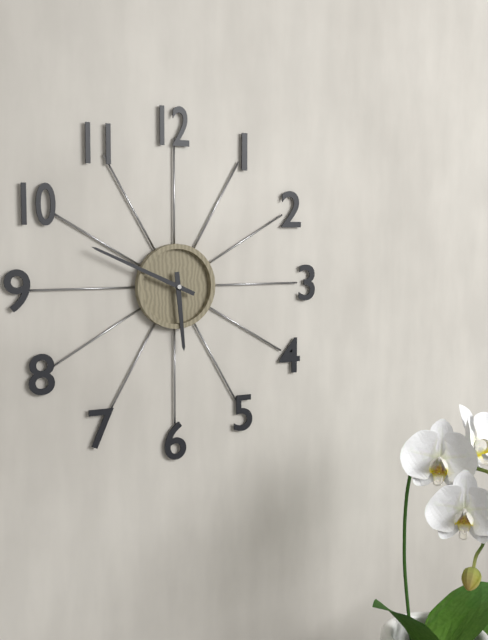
h=5 m=49
